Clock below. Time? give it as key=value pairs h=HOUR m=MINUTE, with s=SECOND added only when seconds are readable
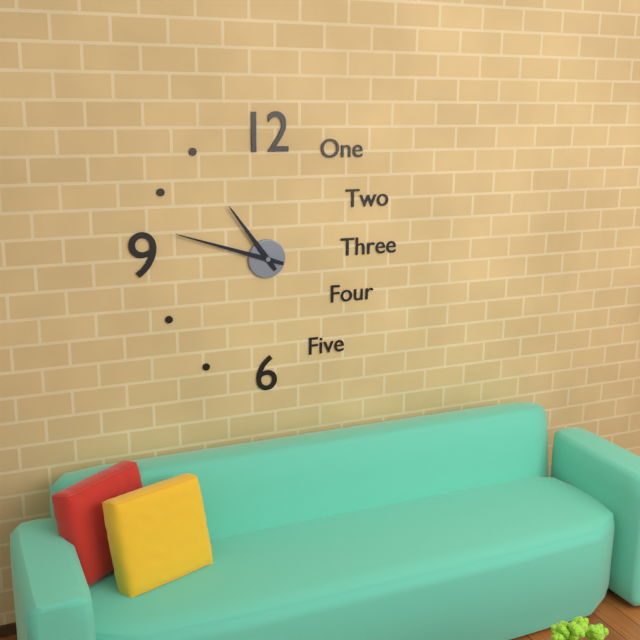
h=10 m=48
